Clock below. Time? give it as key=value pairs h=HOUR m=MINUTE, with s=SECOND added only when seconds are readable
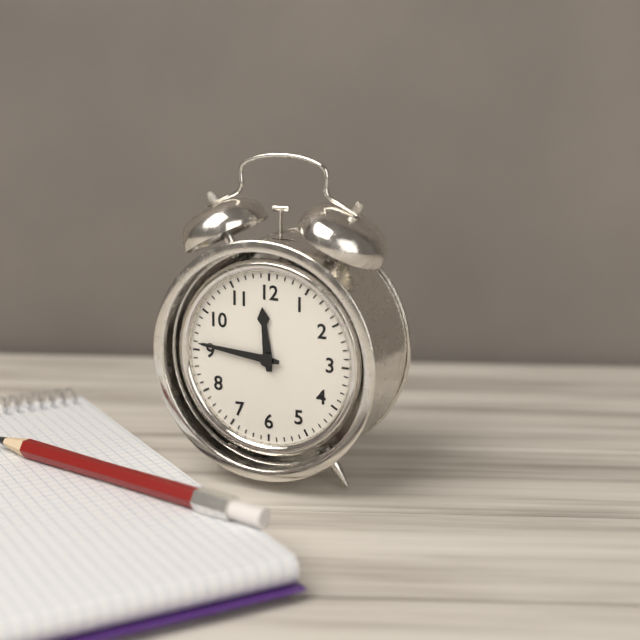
h=11 m=46
